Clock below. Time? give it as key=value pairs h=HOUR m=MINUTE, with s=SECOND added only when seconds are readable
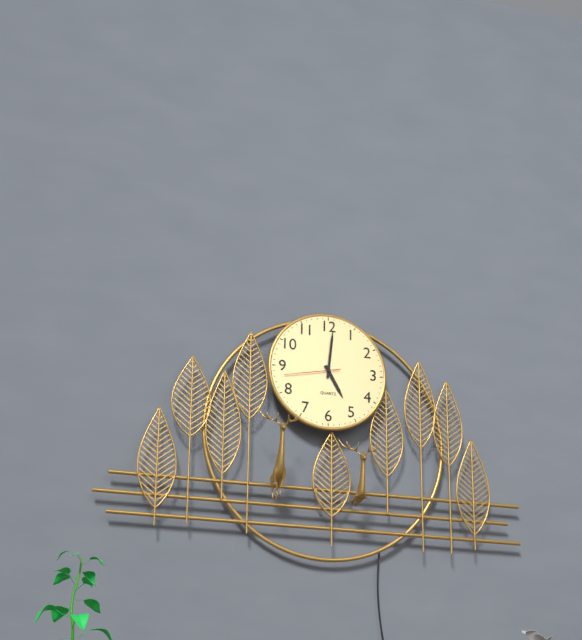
h=5 m=1 s=43
